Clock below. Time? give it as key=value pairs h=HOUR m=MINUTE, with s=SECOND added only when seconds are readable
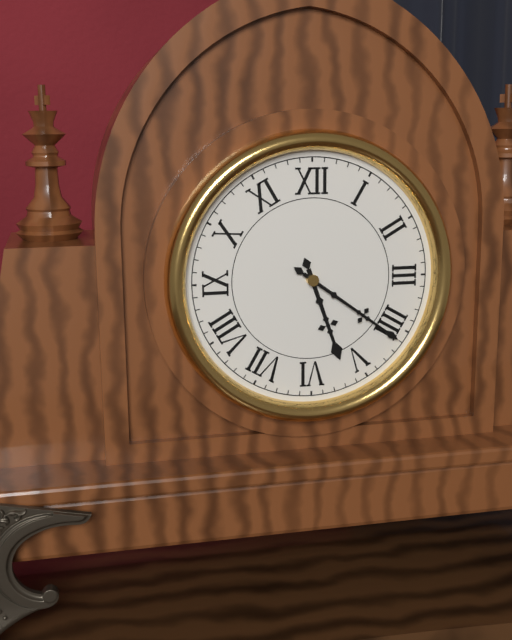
h=5 m=21
